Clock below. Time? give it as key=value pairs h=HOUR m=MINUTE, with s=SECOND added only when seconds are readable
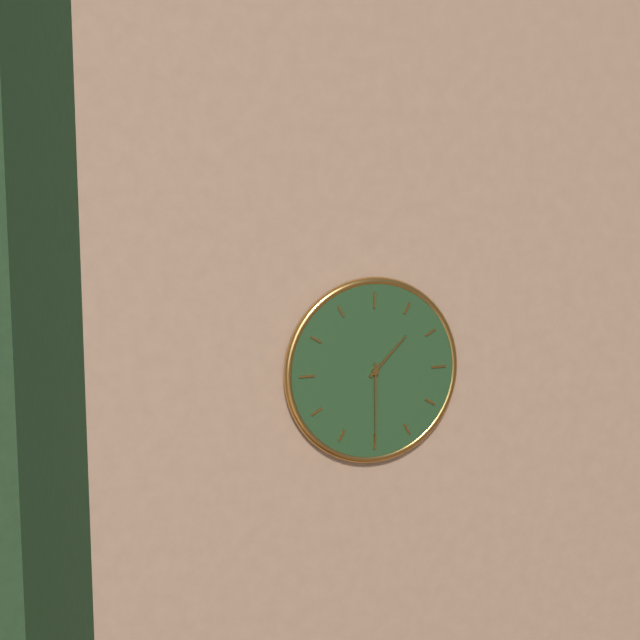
h=1 m=30
